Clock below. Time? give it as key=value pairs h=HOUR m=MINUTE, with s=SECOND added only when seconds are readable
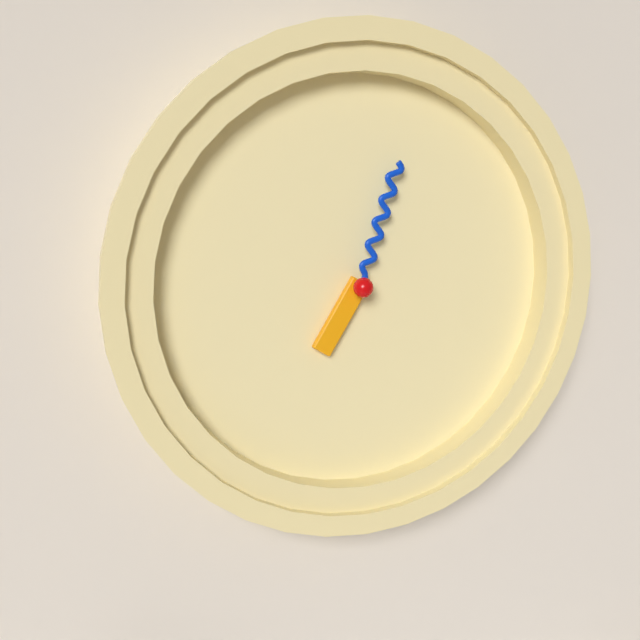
h=7 m=3
